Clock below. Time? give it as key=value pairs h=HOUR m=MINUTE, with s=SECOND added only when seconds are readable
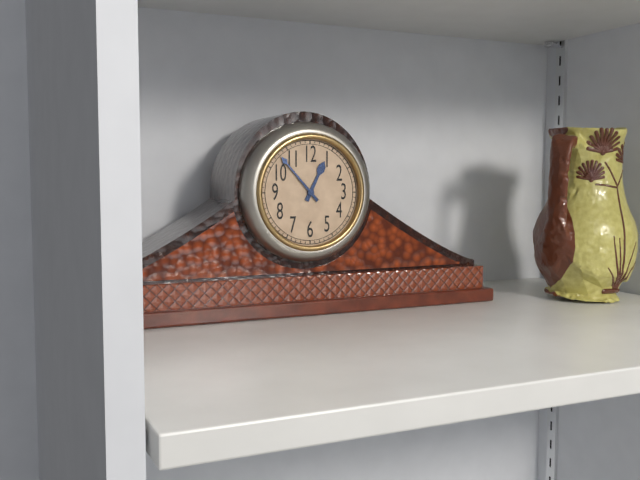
h=12 m=53
